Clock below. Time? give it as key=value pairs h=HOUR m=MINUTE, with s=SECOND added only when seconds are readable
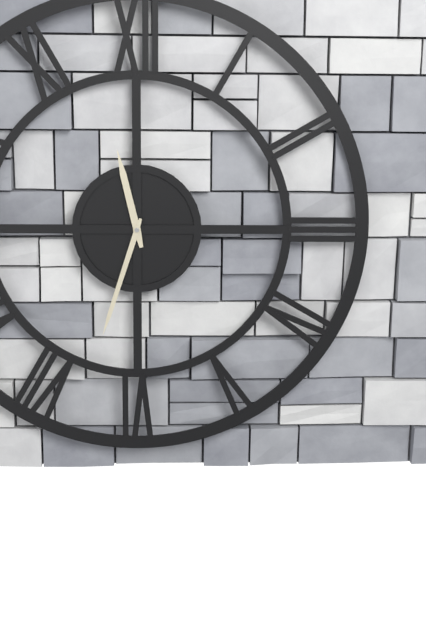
h=11 m=33
